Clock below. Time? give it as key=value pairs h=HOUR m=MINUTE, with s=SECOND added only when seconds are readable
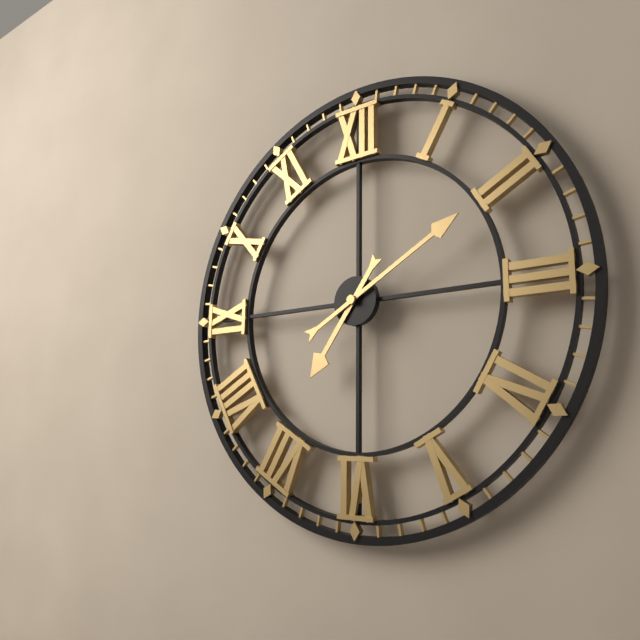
h=7 m=10
